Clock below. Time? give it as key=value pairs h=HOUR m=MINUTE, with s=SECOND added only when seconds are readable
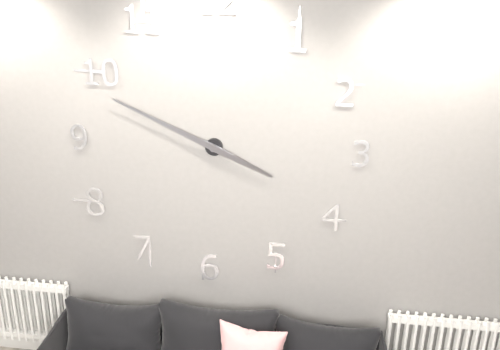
h=3 m=49
